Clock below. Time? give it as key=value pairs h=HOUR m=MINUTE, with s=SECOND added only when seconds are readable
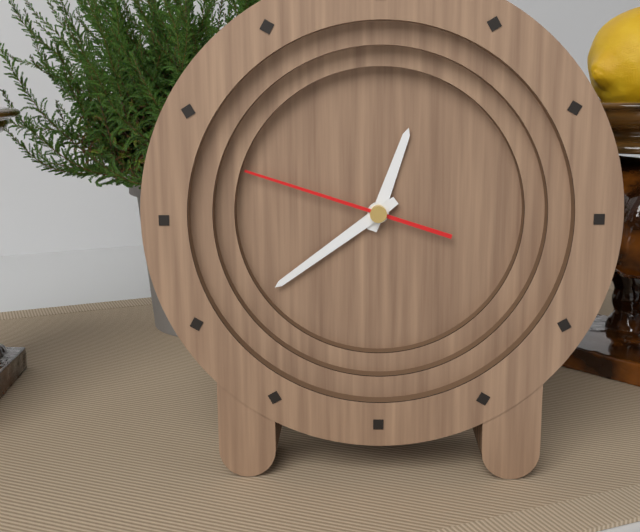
h=12 m=39 s=48
